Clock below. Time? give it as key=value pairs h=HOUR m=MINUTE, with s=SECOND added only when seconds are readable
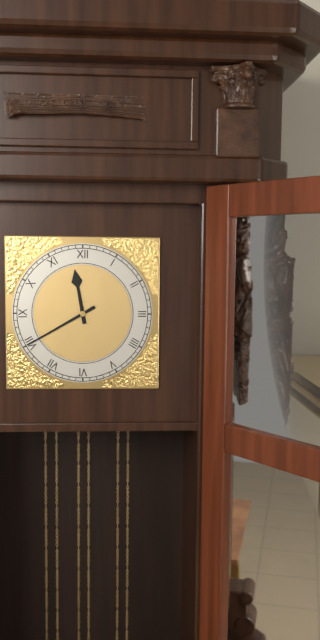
h=11 m=40
